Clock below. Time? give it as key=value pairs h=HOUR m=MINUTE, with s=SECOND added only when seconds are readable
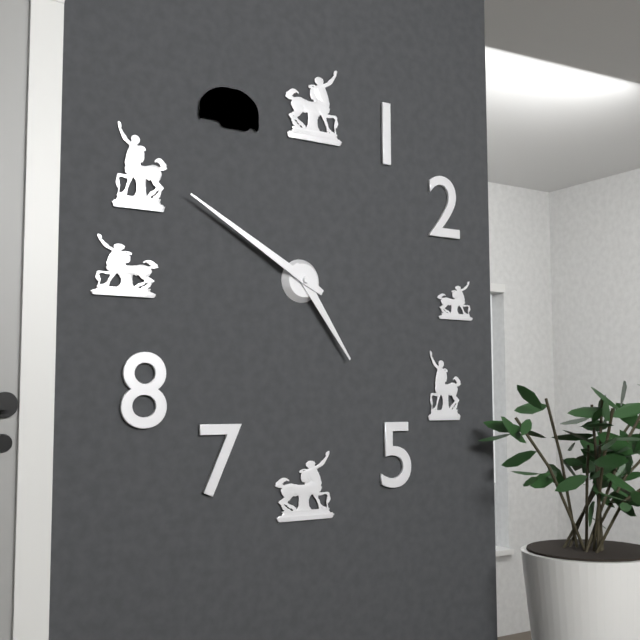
h=4 m=50
